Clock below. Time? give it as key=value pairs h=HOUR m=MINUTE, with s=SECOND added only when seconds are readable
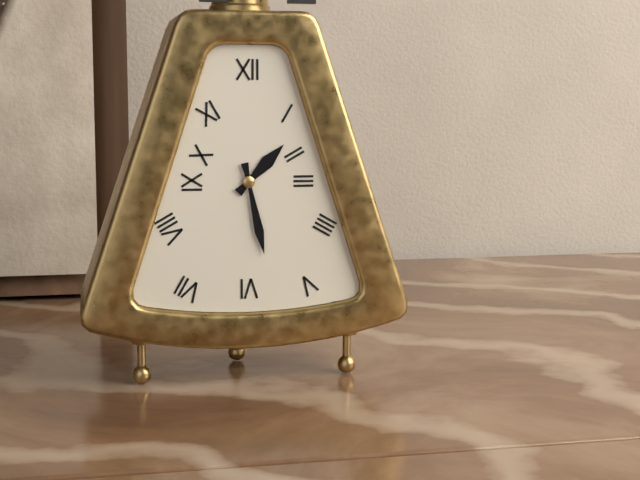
h=1 m=28
